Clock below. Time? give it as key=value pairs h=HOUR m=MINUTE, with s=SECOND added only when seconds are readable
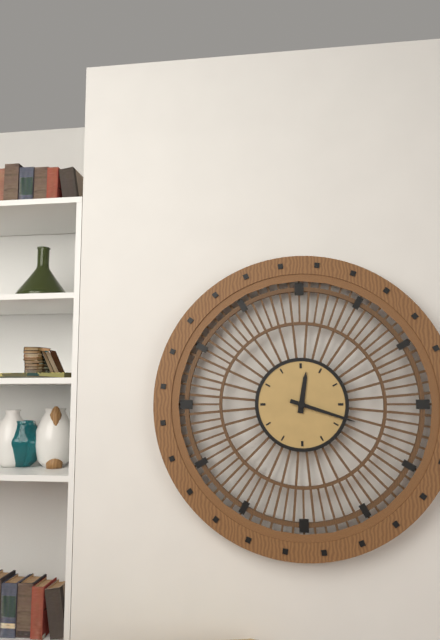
h=12 m=18
